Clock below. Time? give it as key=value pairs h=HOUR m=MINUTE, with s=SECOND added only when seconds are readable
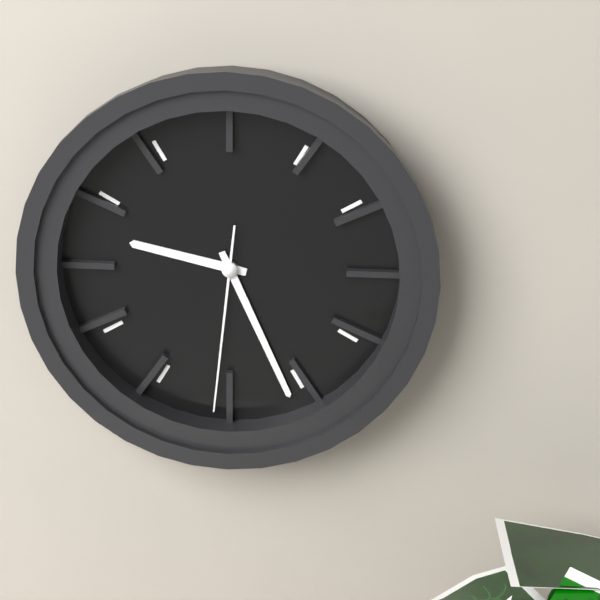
h=9 m=26 s=31
